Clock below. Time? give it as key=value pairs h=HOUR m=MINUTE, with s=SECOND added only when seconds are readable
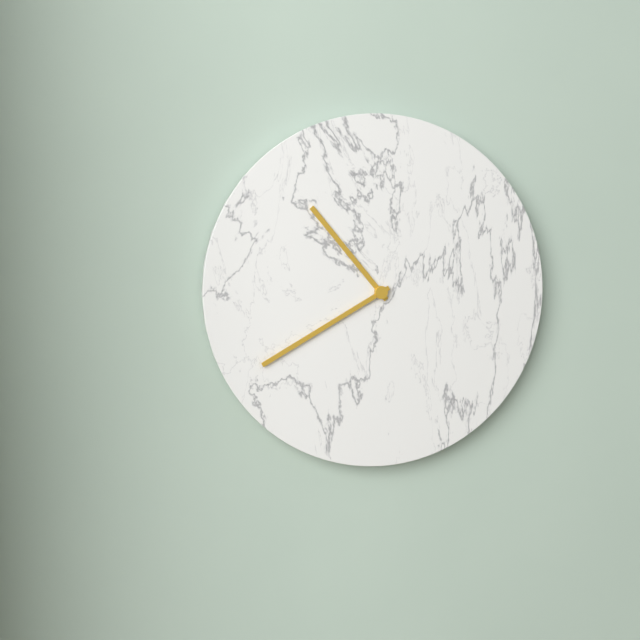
h=10 m=40
